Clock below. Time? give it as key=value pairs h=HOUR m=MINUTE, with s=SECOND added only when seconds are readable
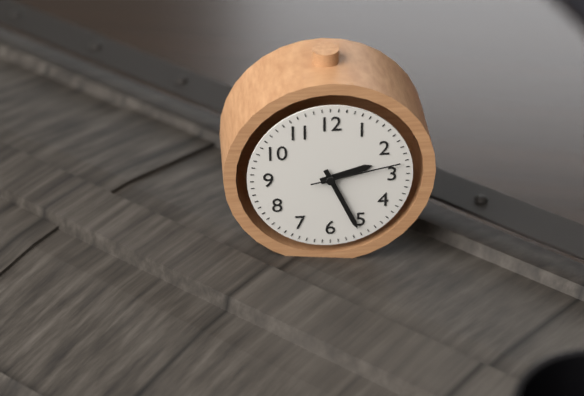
h=2 m=26 s=13
